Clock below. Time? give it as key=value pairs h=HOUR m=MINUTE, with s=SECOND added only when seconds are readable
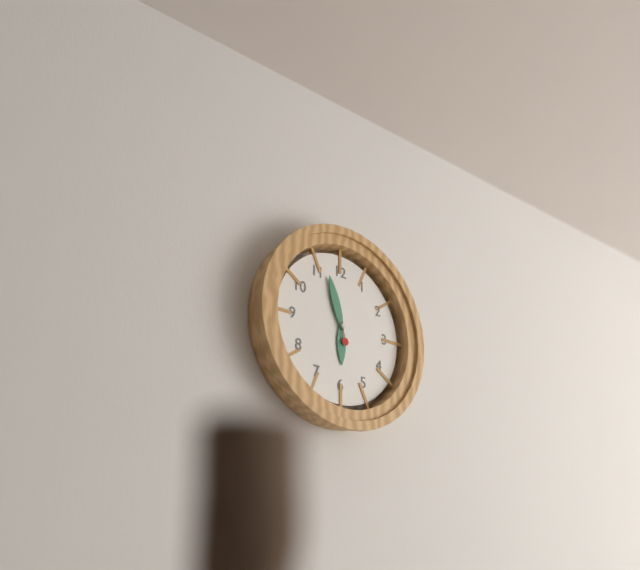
h=5 m=57
